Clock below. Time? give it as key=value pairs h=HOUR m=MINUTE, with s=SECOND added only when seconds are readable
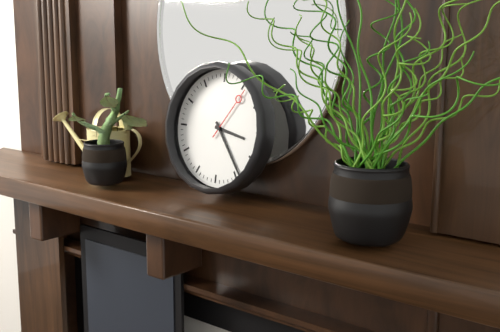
h=3 m=24 s=6
